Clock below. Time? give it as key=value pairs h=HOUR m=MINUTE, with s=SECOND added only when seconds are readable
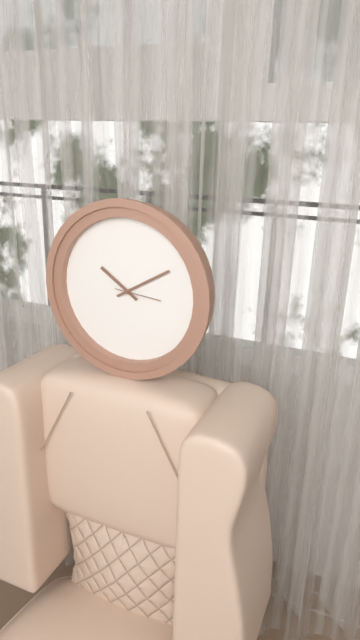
h=10 m=10
